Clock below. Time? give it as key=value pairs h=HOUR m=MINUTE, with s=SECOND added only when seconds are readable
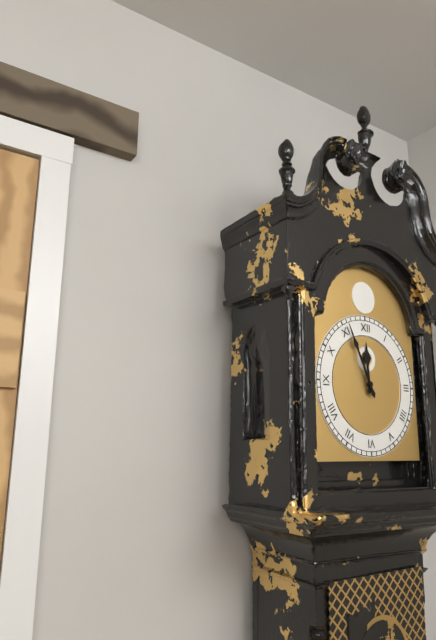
h=11 m=56
